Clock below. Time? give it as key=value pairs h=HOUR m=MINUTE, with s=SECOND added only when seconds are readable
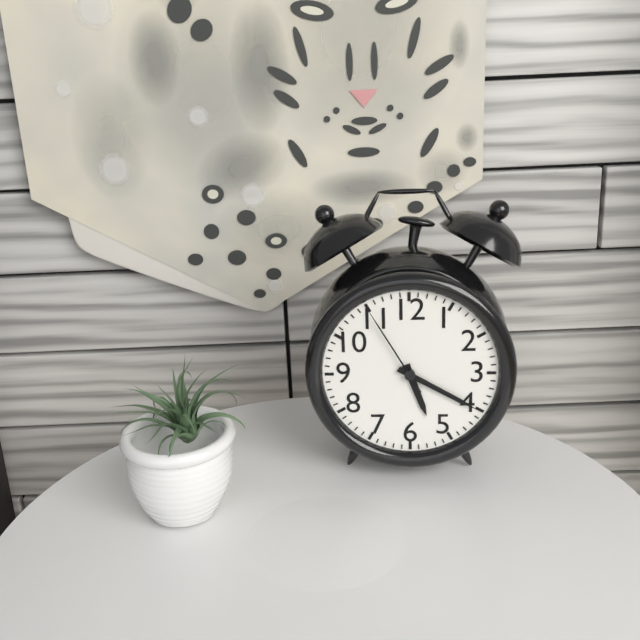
h=5 m=20 s=55
